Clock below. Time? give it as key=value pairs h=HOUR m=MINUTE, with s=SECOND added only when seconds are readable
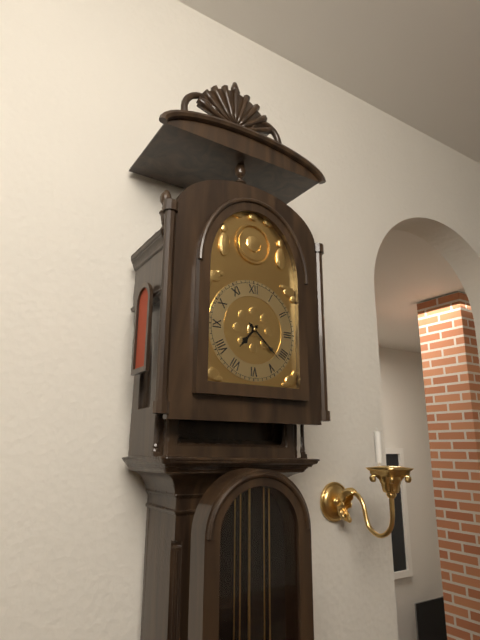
h=7 m=22
